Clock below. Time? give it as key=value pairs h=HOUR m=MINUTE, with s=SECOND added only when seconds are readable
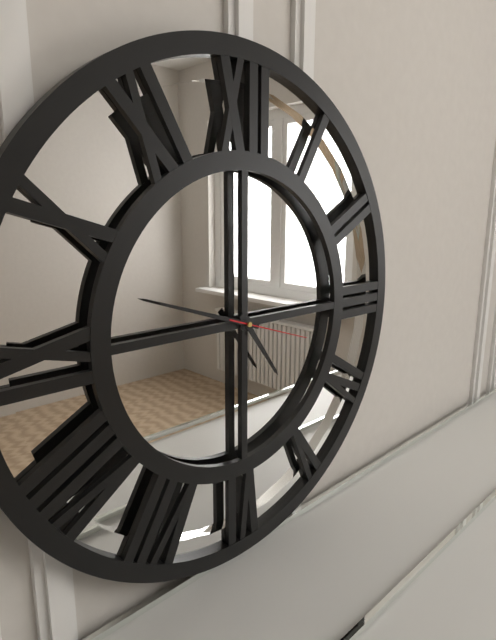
h=4 m=48 s=18
